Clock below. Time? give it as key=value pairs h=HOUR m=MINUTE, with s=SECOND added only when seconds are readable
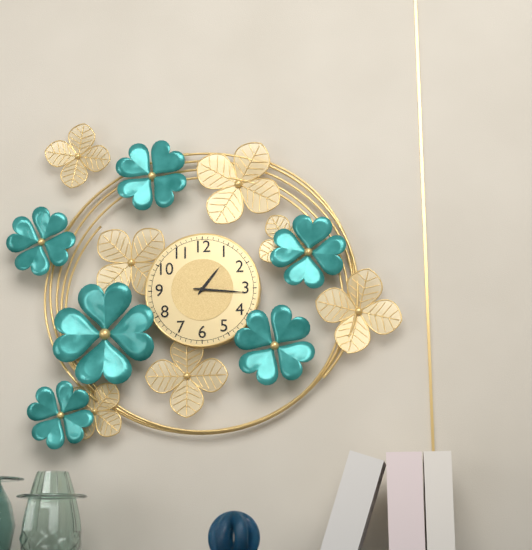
h=1 m=16
